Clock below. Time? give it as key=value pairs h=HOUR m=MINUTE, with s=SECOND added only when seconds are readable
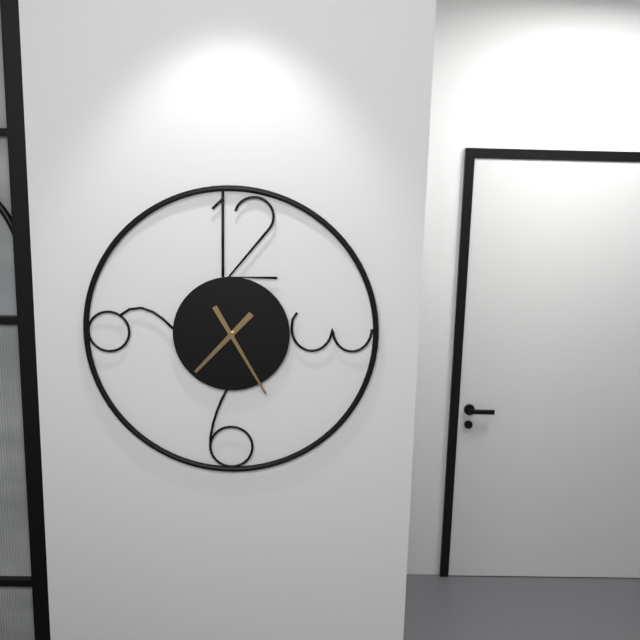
h=7 m=25
